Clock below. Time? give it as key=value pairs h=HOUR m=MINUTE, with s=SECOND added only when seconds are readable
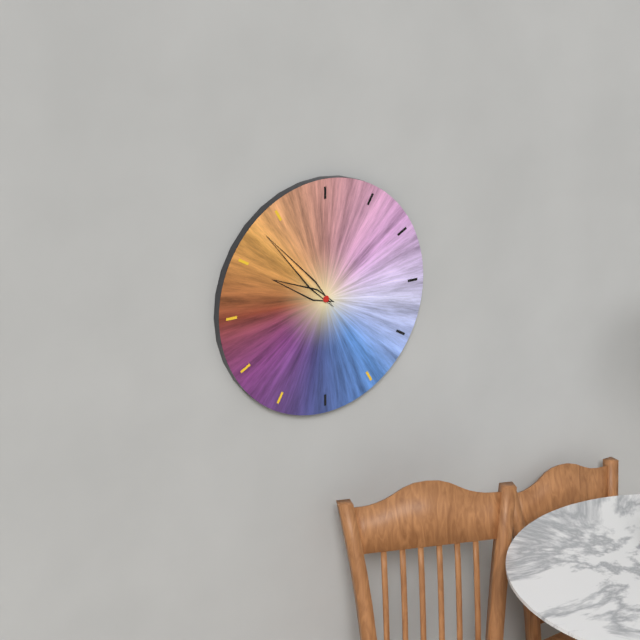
h=9 m=53
